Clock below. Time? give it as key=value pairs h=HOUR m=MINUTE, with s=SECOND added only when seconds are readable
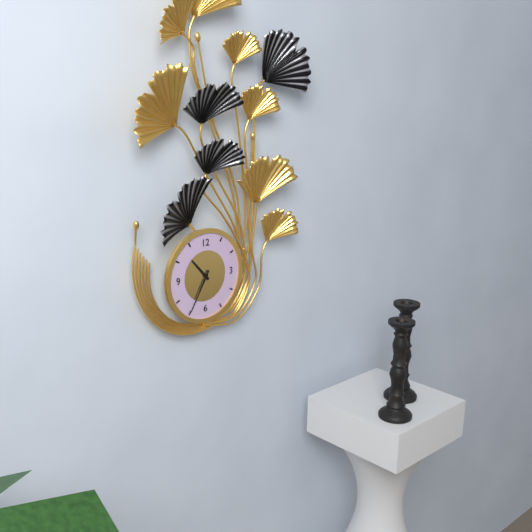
h=10 m=35
